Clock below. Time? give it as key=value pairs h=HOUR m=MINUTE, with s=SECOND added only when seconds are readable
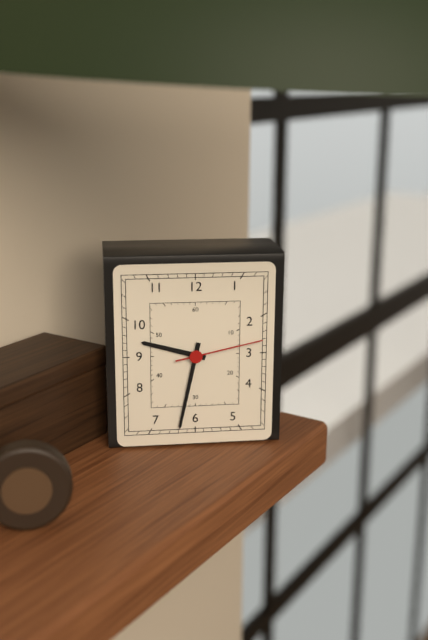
h=9 m=32 s=13
